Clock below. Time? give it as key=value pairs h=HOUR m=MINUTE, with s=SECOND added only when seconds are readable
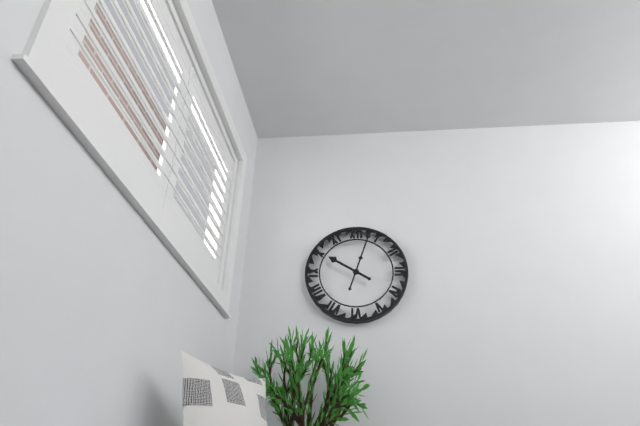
h=10 m=3
